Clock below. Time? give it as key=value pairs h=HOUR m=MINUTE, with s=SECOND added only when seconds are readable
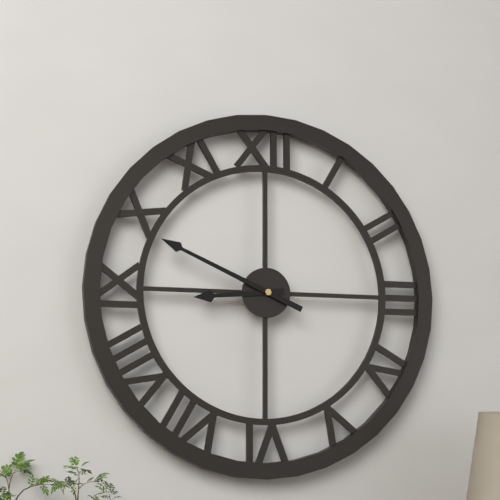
h=8 m=49
